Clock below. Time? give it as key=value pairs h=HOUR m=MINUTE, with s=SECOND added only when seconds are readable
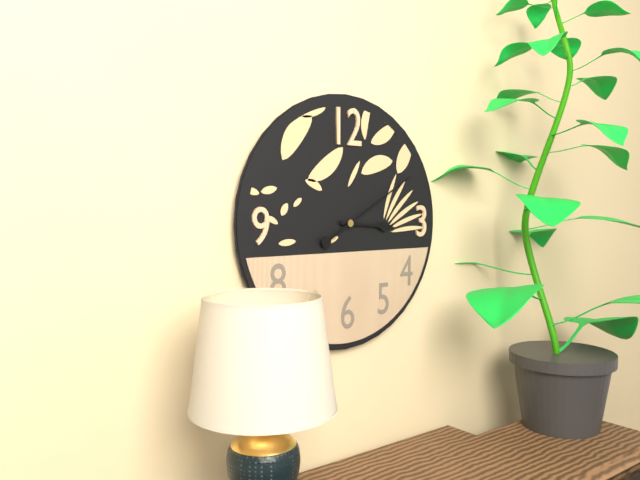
h=3 m=10
